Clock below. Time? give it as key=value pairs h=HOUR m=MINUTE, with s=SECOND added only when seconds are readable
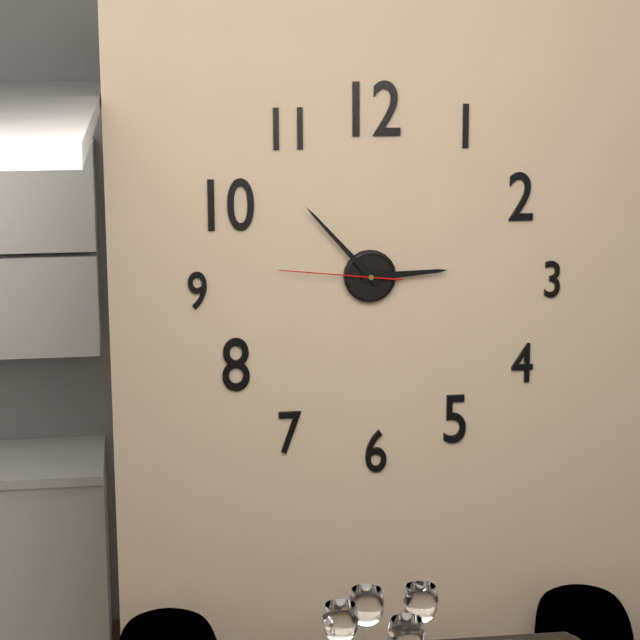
h=2 m=53 s=46
